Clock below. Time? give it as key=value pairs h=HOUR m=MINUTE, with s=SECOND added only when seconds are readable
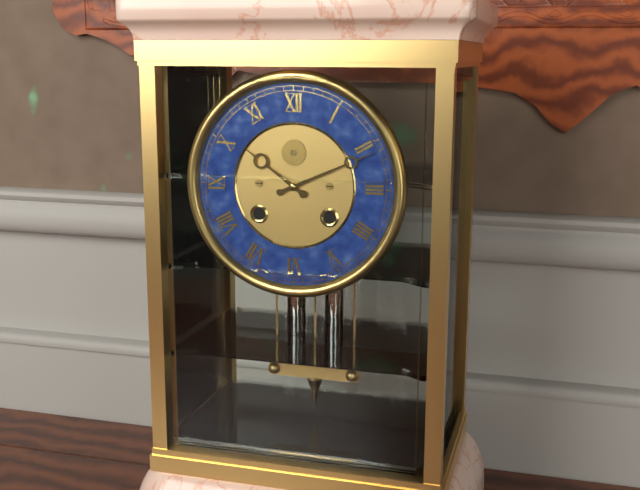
h=10 m=11
